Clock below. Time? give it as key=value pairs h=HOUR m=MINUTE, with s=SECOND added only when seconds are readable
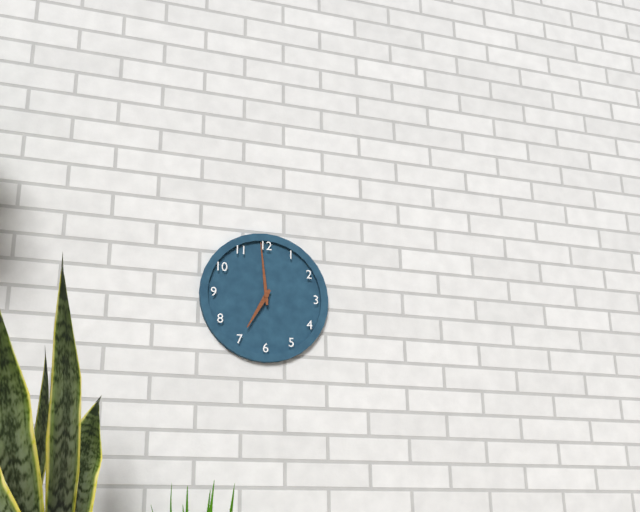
h=6 m=59
